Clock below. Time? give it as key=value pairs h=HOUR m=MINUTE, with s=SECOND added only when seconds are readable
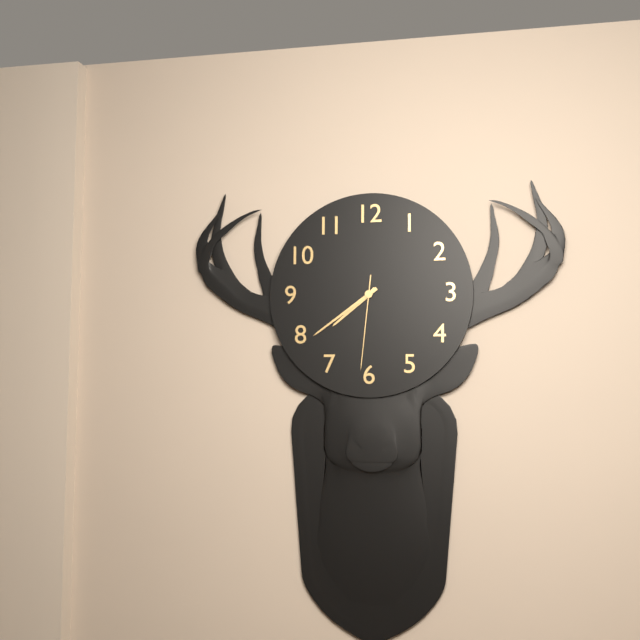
h=7 m=39 s=31
